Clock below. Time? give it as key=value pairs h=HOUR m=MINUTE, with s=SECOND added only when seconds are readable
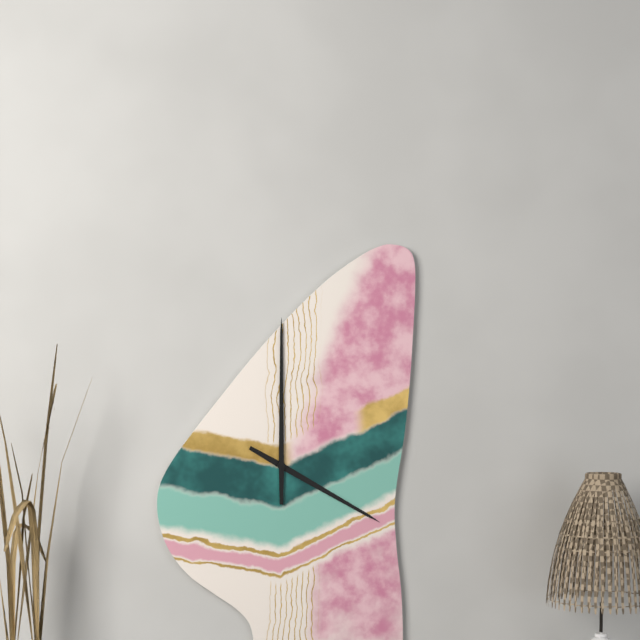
h=4 m=0
